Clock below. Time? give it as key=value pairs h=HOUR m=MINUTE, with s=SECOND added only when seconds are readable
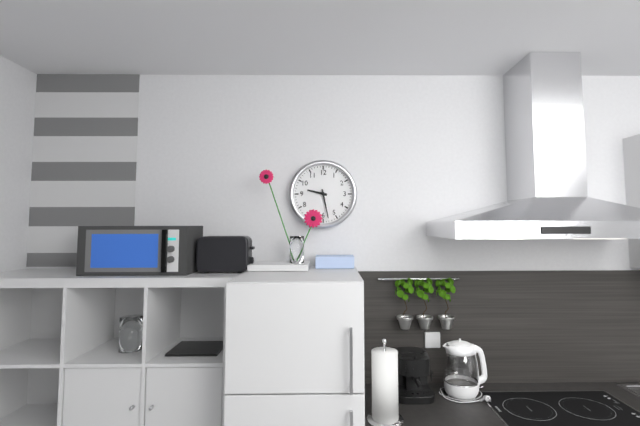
h=9 m=28
